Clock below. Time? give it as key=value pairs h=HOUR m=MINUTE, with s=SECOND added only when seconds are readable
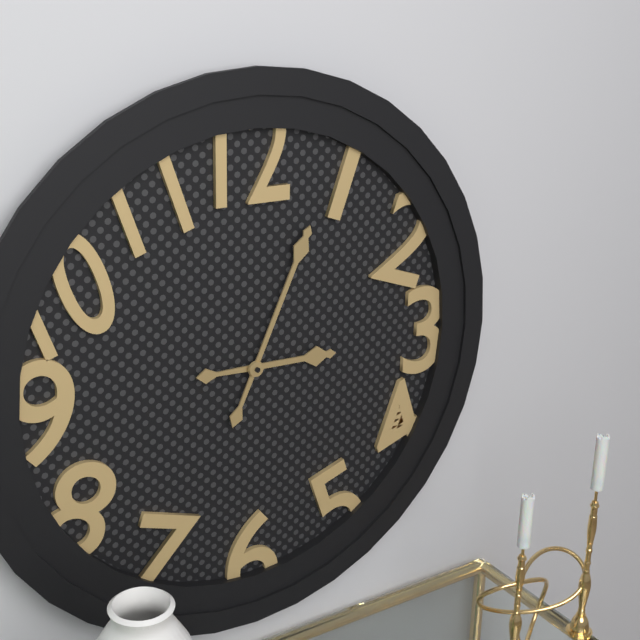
h=3 m=4
